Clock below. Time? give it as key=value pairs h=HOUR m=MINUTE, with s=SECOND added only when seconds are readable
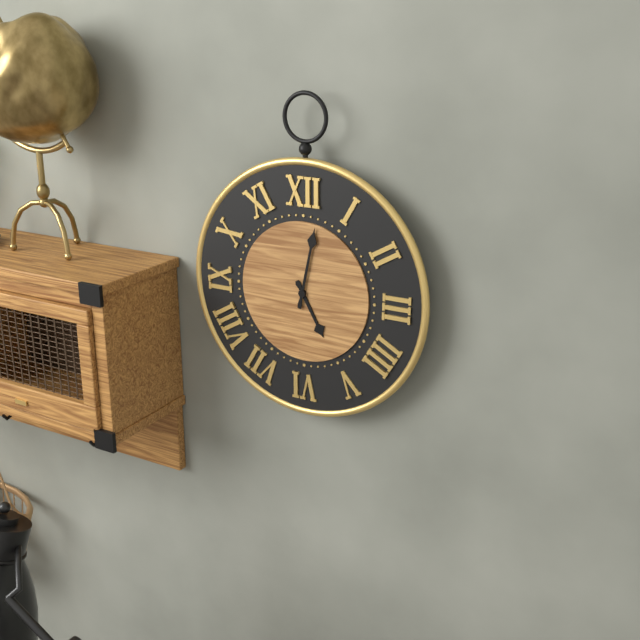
h=5 m=2
